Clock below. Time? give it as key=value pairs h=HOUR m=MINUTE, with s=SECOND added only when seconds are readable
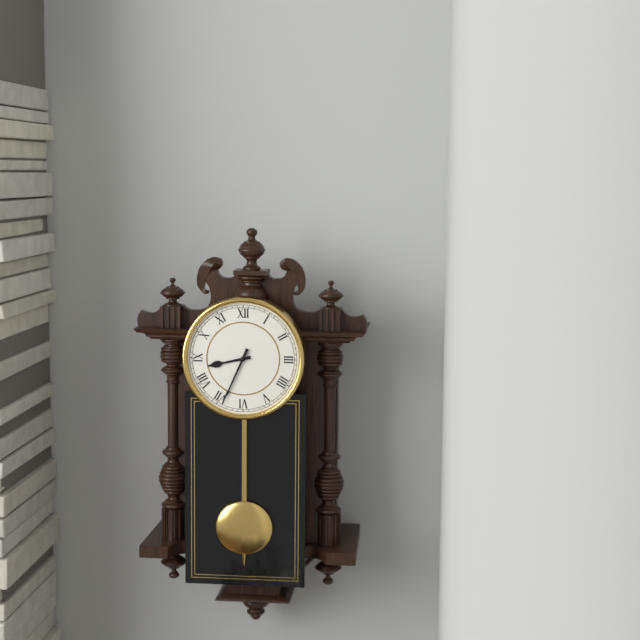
h=8 m=34
